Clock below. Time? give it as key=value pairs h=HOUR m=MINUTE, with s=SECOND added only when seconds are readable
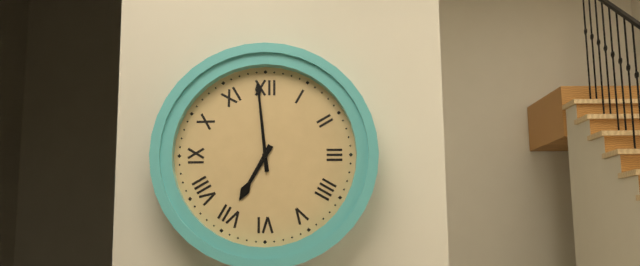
h=6 m=59
